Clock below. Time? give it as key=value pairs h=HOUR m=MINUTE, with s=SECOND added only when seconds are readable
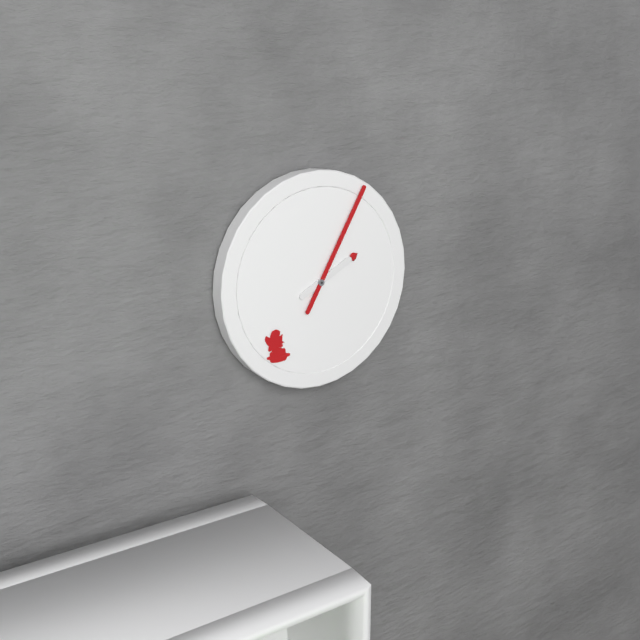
h=2 m=5
